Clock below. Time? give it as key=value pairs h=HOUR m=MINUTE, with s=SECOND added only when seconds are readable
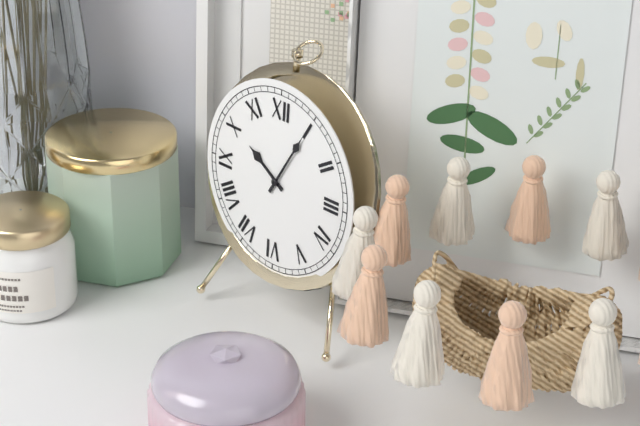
h=10 m=5
